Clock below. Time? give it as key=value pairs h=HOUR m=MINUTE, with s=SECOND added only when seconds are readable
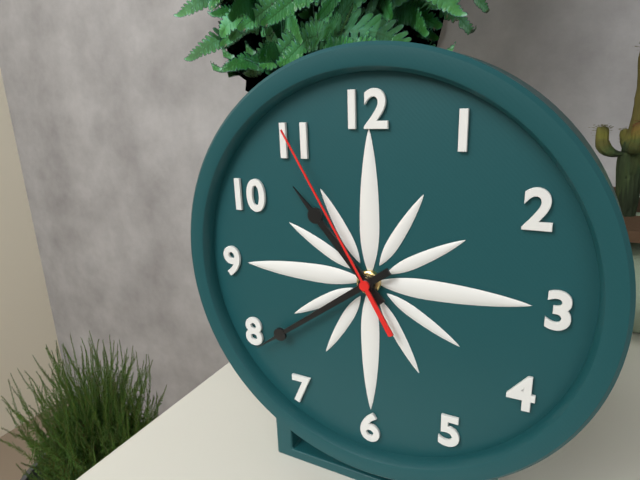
h=10 m=39 s=55
